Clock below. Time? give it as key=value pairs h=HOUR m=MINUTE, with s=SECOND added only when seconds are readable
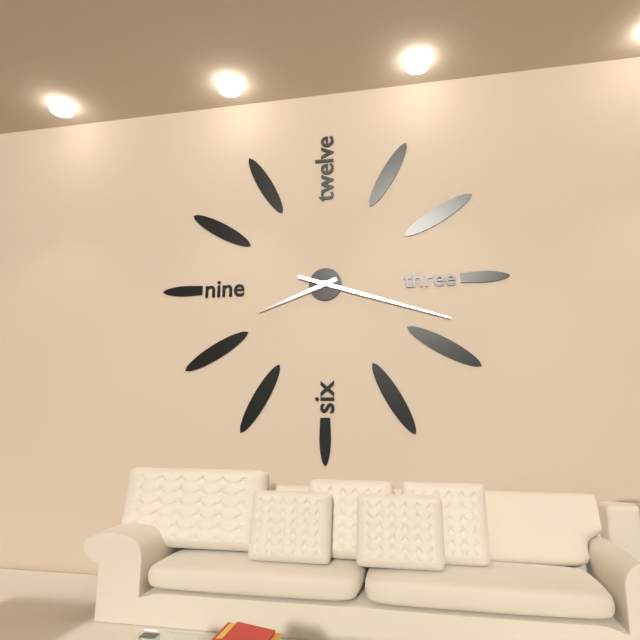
h=8 m=18
